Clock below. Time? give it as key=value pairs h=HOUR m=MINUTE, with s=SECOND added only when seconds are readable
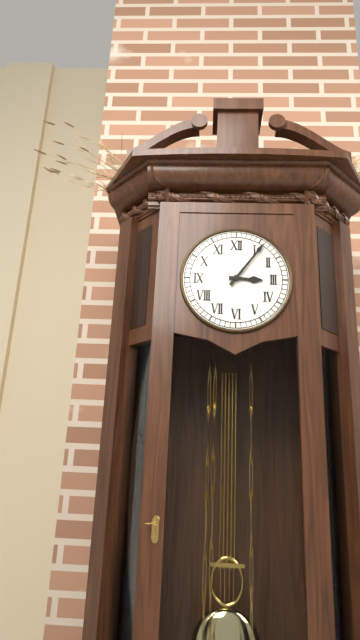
h=3 m=6
